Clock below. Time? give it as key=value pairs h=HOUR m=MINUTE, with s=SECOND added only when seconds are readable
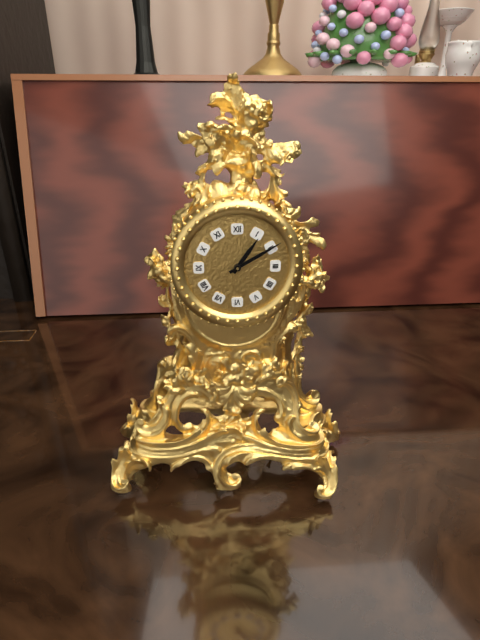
h=1 m=10
